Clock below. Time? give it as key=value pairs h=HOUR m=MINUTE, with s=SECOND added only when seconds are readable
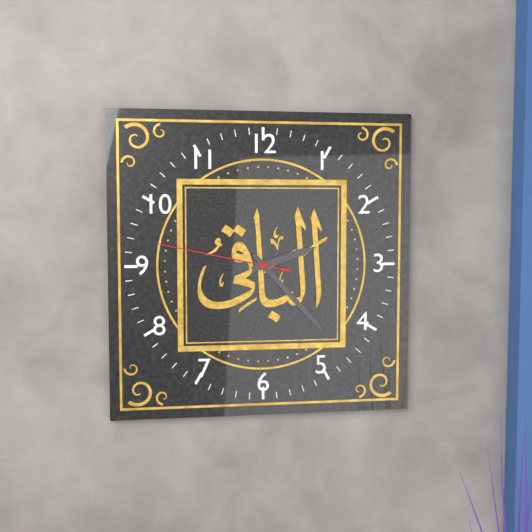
h=2 m=23 s=47
